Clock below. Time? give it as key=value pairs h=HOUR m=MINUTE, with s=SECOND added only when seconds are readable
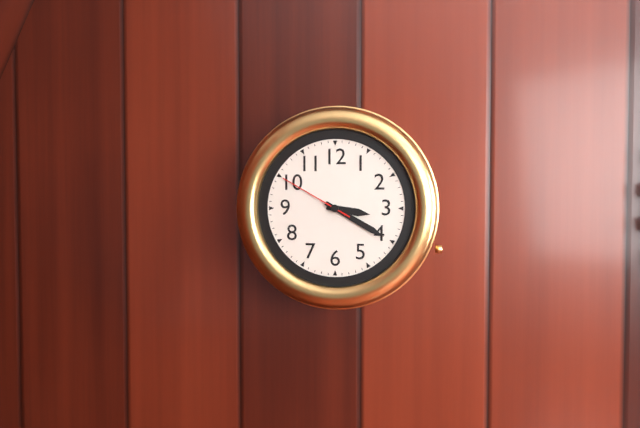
h=3 m=20 s=50
